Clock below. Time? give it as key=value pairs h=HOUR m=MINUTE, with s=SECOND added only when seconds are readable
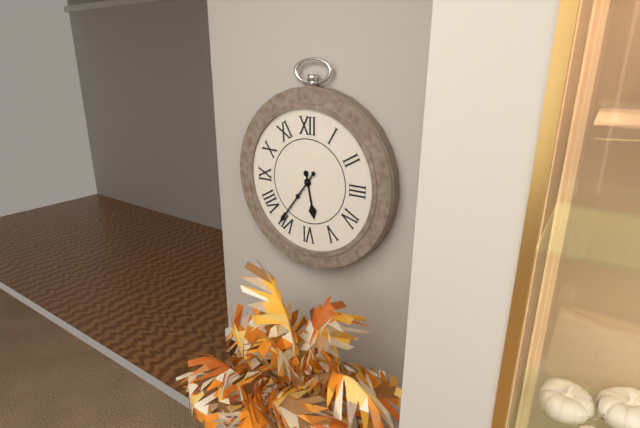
h=5 m=36
